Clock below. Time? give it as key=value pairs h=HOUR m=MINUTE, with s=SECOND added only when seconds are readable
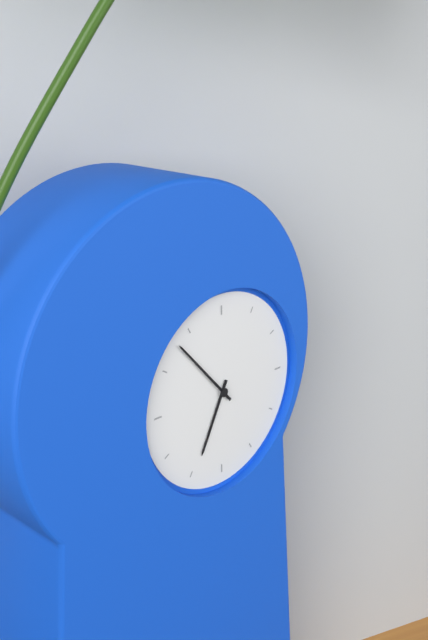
h=6 m=53
